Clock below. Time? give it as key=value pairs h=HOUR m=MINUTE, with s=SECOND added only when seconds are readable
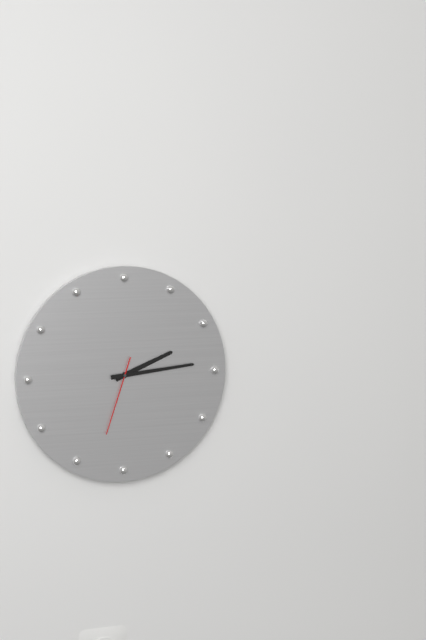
h=2 m=14 s=33
